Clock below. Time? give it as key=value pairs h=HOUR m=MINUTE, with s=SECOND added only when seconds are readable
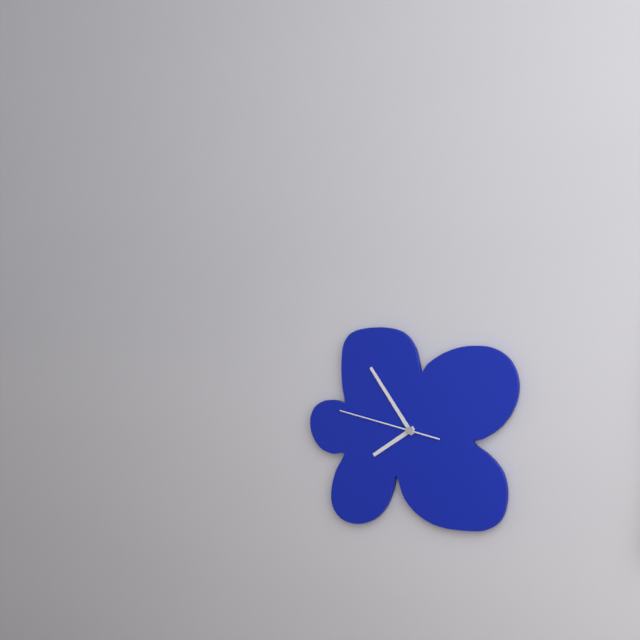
h=7 m=54 s=47
